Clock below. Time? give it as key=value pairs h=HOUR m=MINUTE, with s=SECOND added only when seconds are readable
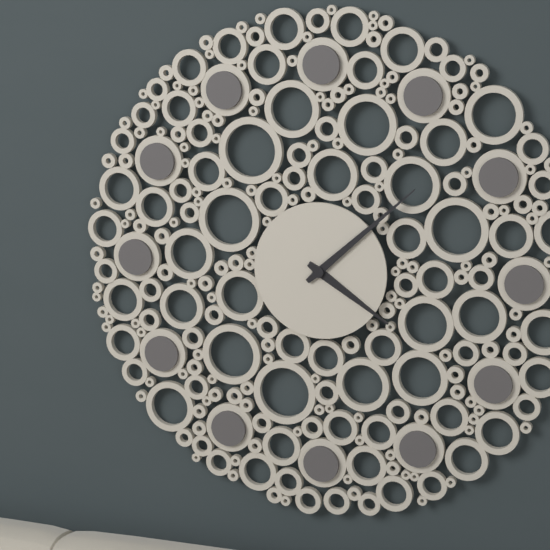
h=4 m=8
